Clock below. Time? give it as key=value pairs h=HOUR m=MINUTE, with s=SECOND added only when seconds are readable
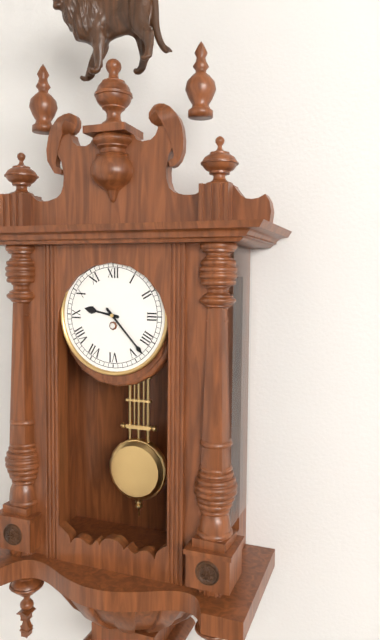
h=9 m=23
